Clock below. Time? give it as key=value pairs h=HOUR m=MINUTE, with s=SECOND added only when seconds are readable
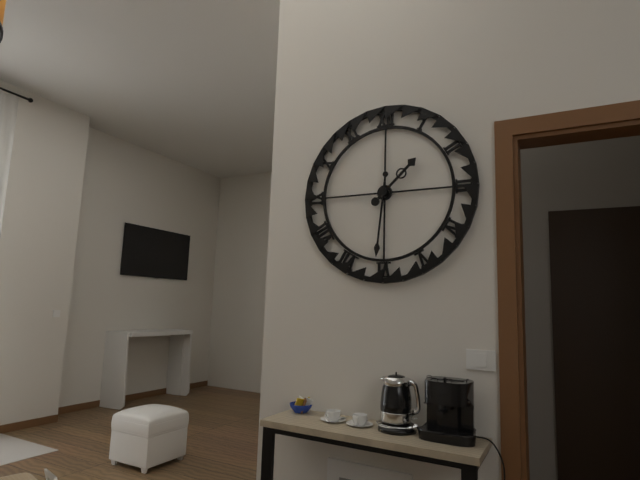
h=1 m=31
